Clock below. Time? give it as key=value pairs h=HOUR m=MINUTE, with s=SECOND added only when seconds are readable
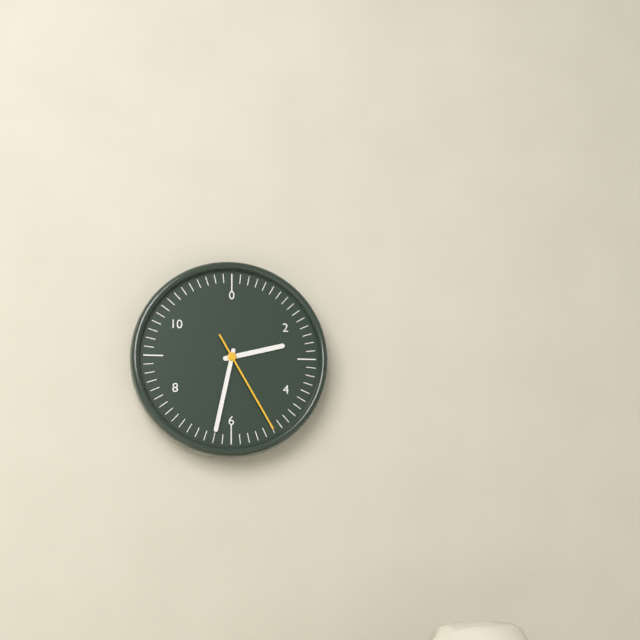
h=2 m=32 s=25
